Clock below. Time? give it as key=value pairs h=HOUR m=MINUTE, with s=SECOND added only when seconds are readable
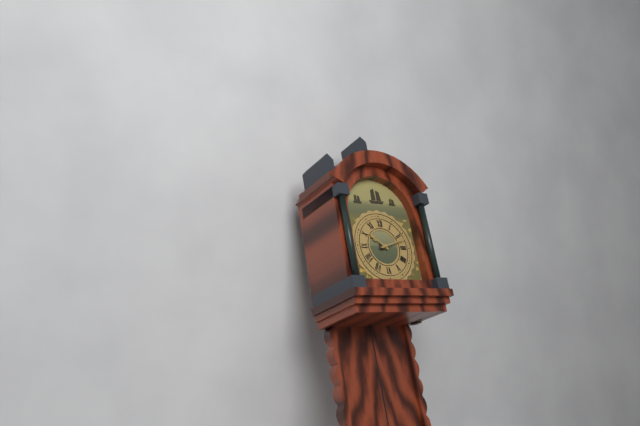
h=10 m=12
